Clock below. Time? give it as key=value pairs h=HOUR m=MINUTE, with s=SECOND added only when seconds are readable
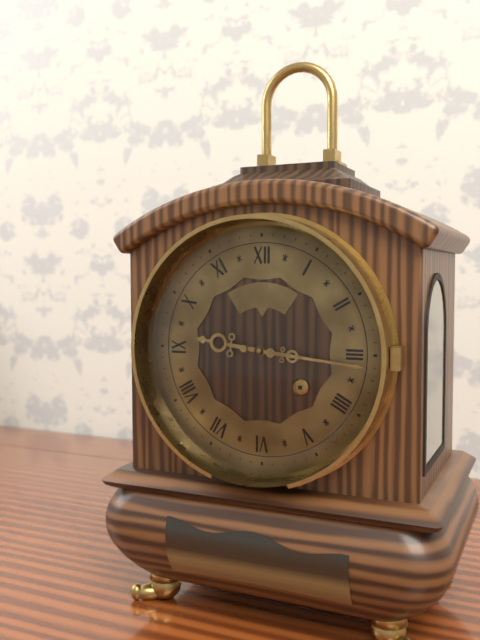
h=9 m=16
